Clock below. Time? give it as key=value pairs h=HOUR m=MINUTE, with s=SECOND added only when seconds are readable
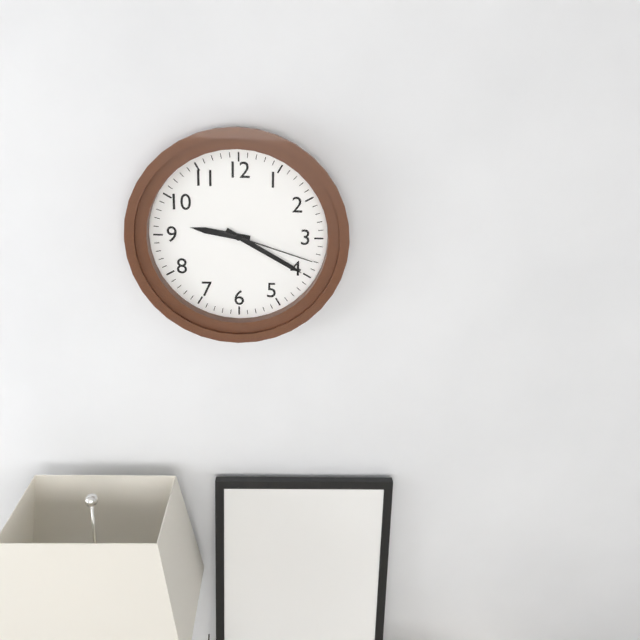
h=9 m=20 s=18
